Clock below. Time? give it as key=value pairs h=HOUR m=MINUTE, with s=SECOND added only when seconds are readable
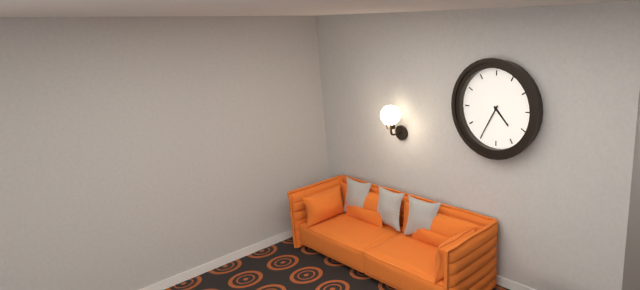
h=4 m=35
